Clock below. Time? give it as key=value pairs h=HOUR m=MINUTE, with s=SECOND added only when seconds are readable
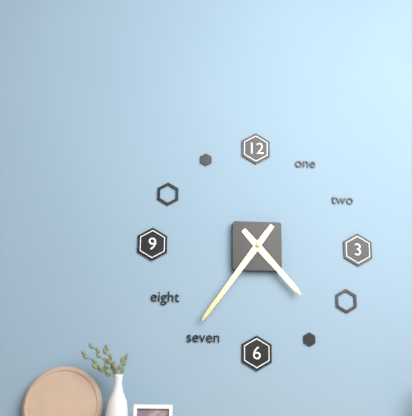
h=4 m=36
